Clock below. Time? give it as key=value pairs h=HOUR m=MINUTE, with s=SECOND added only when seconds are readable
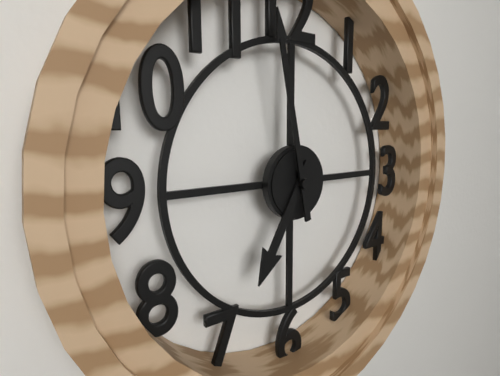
h=6 m=58
